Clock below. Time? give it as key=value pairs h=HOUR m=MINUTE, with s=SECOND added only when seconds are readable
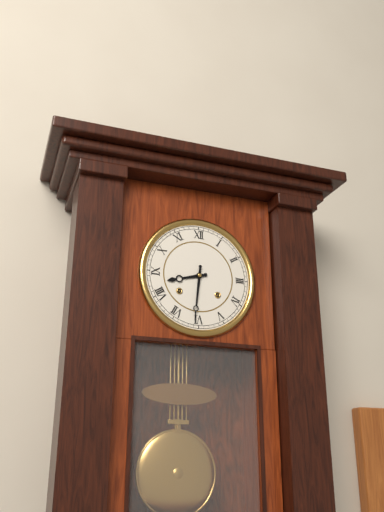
h=8 m=31
